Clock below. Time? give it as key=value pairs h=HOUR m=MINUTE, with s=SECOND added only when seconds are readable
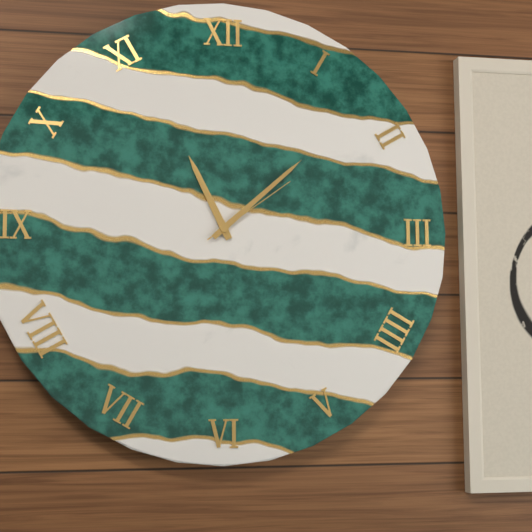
h=11 m=8 s=9
